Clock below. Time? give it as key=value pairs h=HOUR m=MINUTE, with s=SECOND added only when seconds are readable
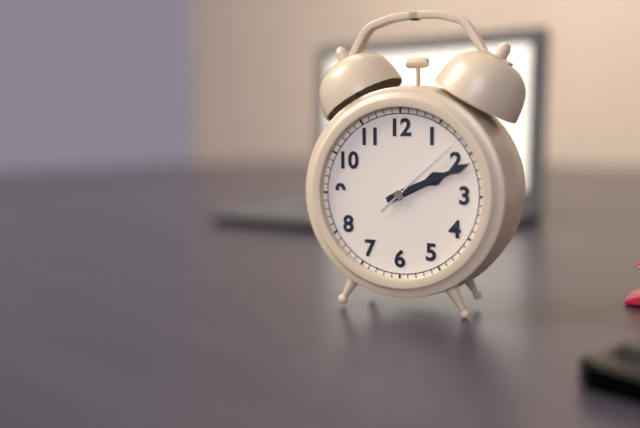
h=2 m=11 s=8
